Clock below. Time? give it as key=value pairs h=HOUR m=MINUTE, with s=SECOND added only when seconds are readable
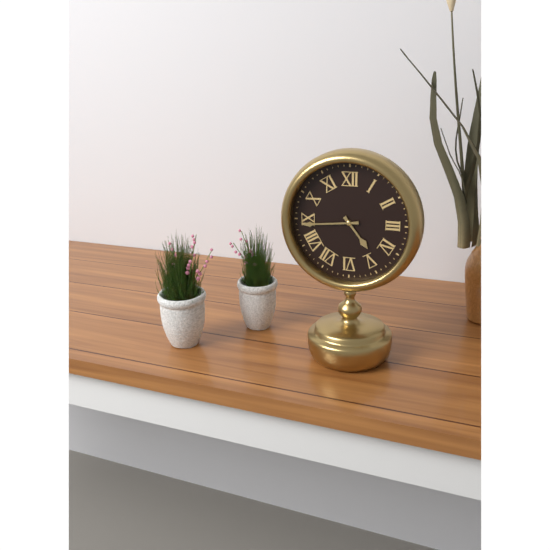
h=4 m=44
